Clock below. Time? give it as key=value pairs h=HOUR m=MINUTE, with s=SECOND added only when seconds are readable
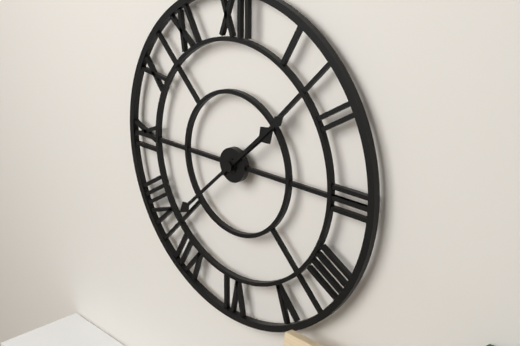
h=1 m=38
